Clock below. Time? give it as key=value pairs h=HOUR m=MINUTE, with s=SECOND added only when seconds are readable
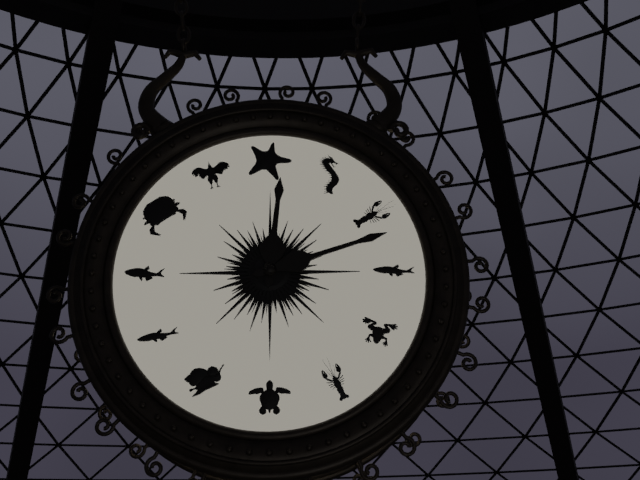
h=12 m=12
